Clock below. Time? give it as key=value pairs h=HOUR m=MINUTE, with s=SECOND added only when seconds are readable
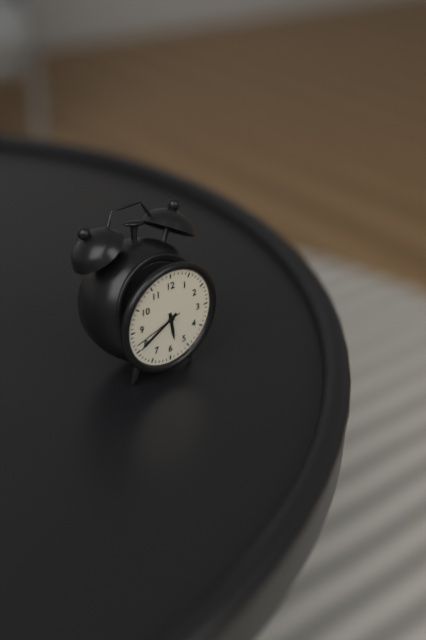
h=5 m=40 s=42
